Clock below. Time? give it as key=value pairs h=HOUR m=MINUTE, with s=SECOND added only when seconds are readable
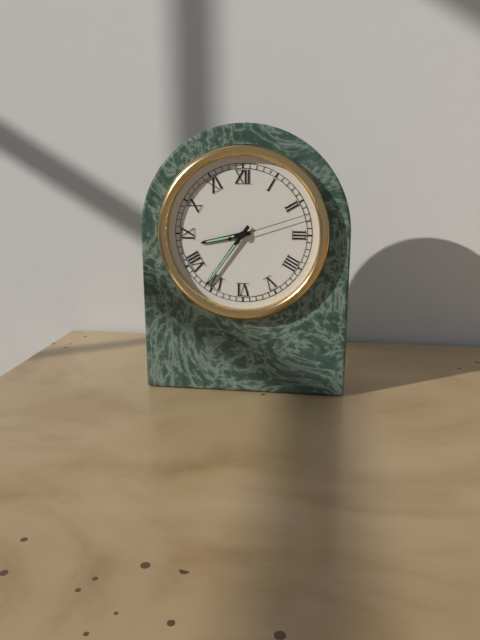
h=8 m=36 s=12
